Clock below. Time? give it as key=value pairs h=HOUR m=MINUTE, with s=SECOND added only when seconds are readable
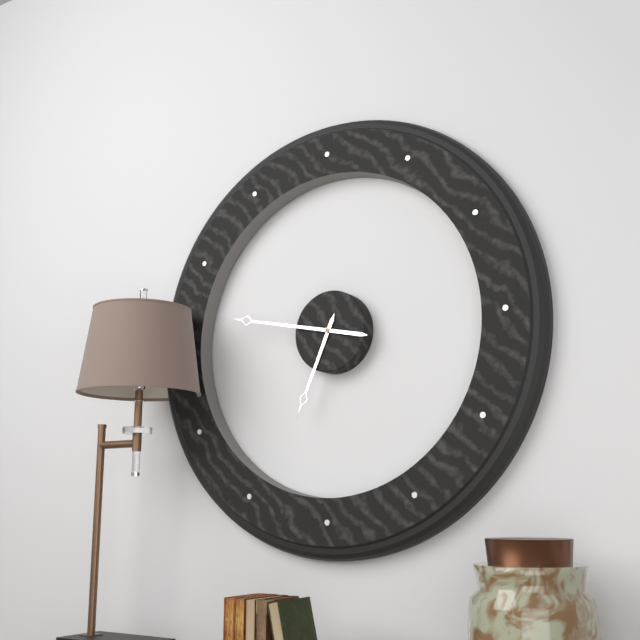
h=6 m=47
